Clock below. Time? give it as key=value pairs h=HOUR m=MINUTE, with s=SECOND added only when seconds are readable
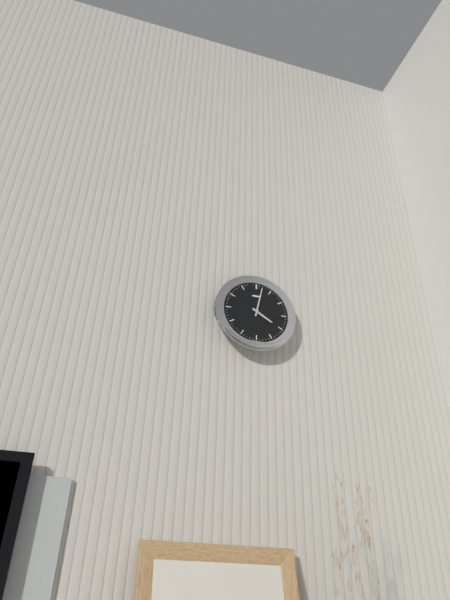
h=4 m=2
